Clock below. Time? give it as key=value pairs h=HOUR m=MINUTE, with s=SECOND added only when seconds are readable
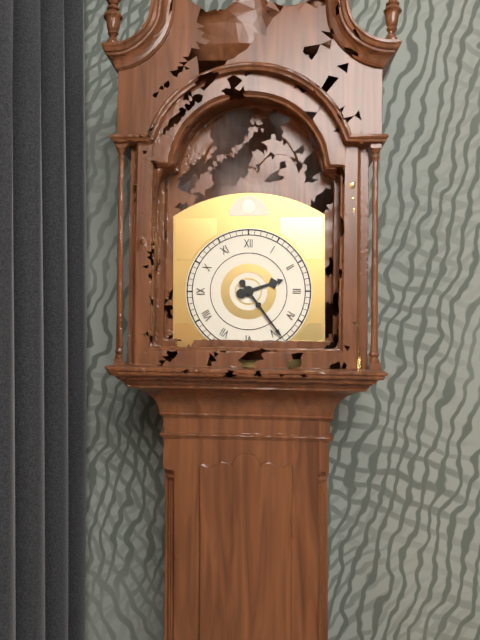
h=2 m=24
